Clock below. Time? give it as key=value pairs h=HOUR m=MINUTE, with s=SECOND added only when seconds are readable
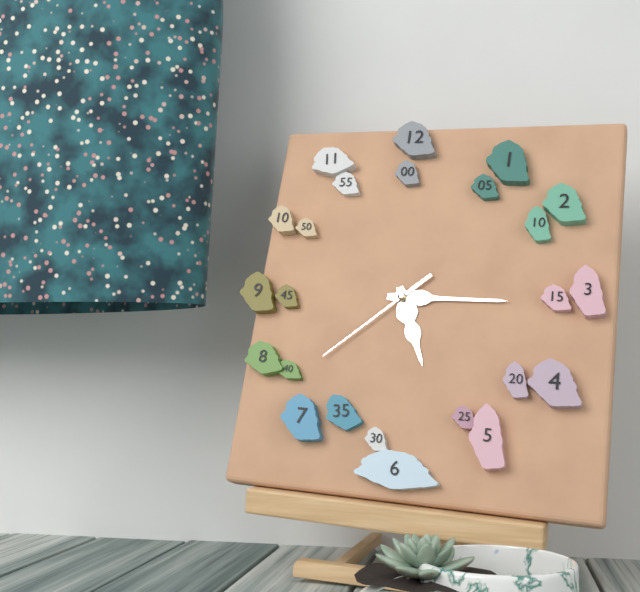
h=5 m=15 s=38
